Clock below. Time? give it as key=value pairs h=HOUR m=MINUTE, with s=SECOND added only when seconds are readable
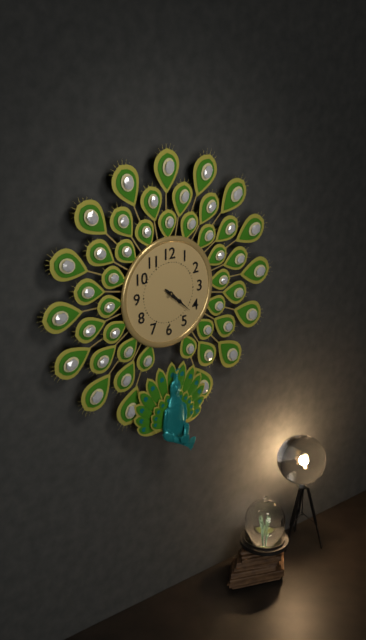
h=4 m=22
